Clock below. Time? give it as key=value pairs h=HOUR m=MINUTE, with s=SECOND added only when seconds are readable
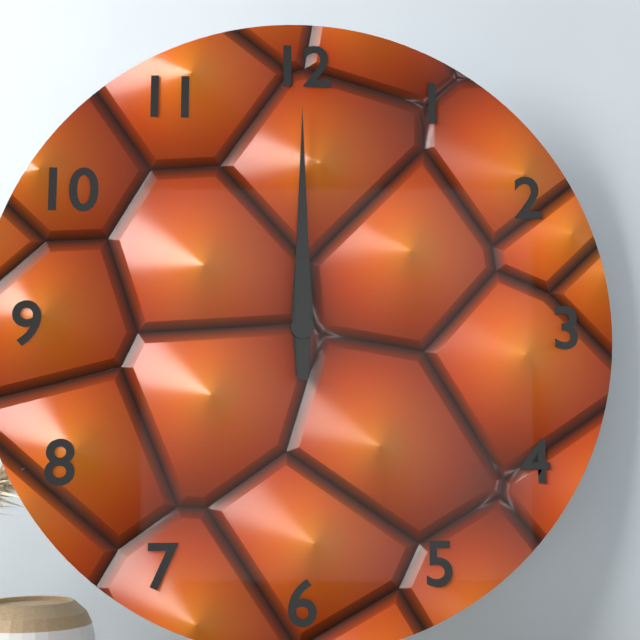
h=12 m=0
